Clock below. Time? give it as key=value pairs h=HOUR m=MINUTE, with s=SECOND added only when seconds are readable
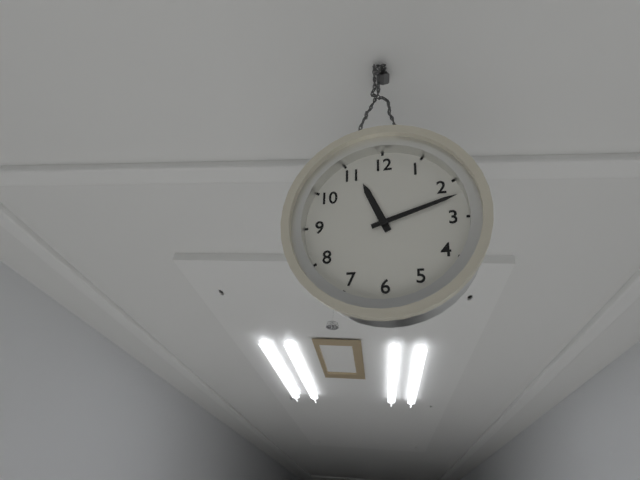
h=11 m=12
